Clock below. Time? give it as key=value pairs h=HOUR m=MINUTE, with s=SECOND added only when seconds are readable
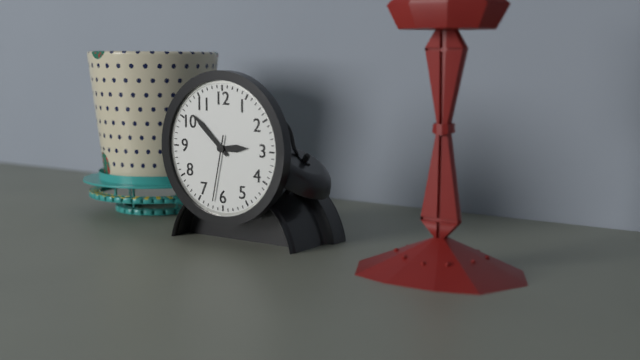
h=2 m=52 s=32
